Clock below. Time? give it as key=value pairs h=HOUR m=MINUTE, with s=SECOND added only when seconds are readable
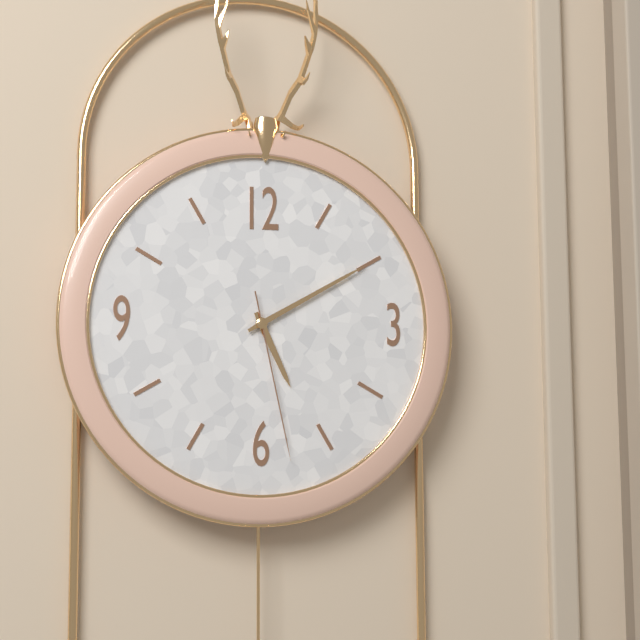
h=5 m=10 s=28
